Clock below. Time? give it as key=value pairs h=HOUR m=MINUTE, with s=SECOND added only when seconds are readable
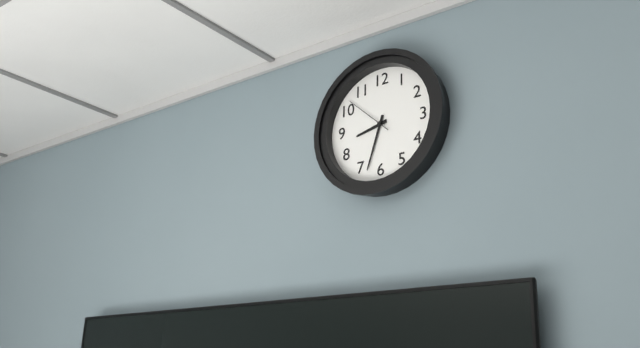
h=8 m=33
